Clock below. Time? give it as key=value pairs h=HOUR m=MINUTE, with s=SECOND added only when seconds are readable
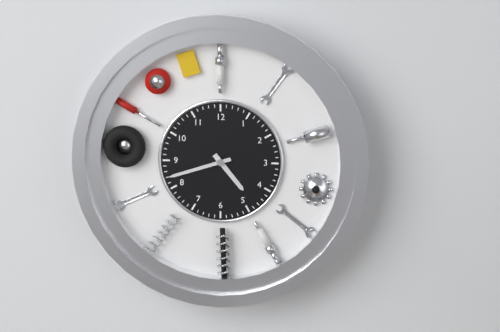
h=4 m=42
